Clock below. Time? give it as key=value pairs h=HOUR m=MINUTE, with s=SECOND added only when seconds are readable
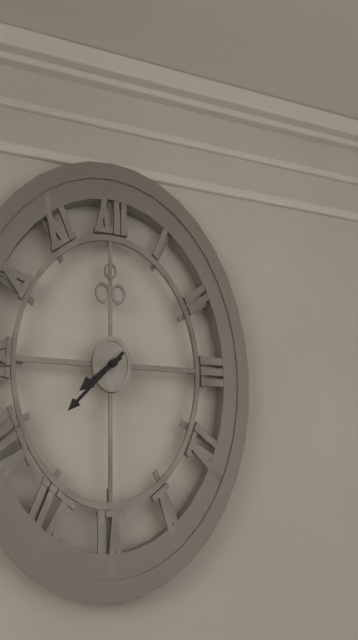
h=7 m=37
